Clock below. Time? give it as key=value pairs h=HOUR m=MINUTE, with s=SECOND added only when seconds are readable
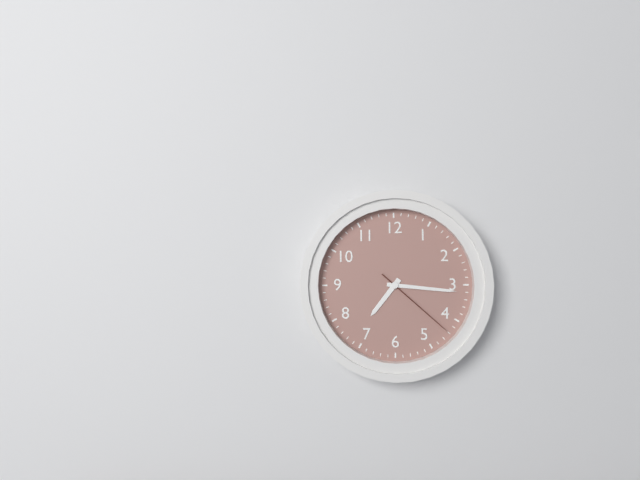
h=7 m=16 s=22
